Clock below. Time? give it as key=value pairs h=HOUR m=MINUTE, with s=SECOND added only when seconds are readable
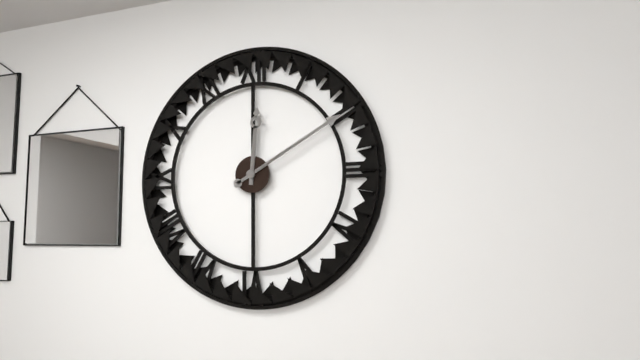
h=12 m=10
